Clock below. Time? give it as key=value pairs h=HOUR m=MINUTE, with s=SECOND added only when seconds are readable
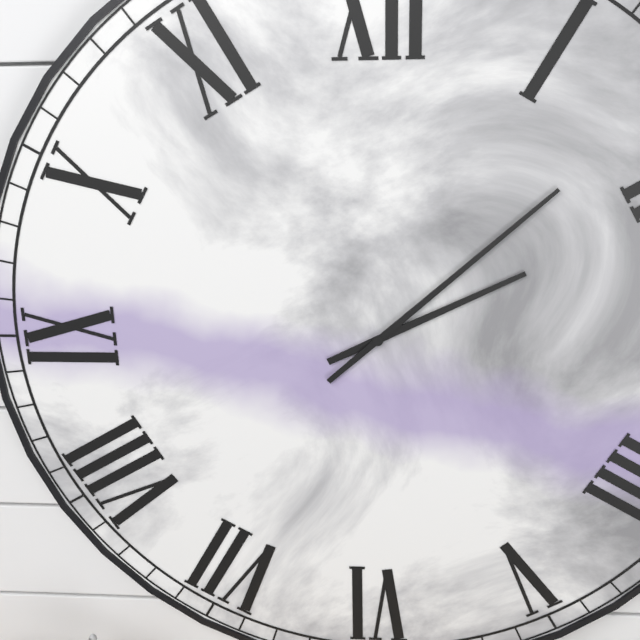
h=2 m=8
